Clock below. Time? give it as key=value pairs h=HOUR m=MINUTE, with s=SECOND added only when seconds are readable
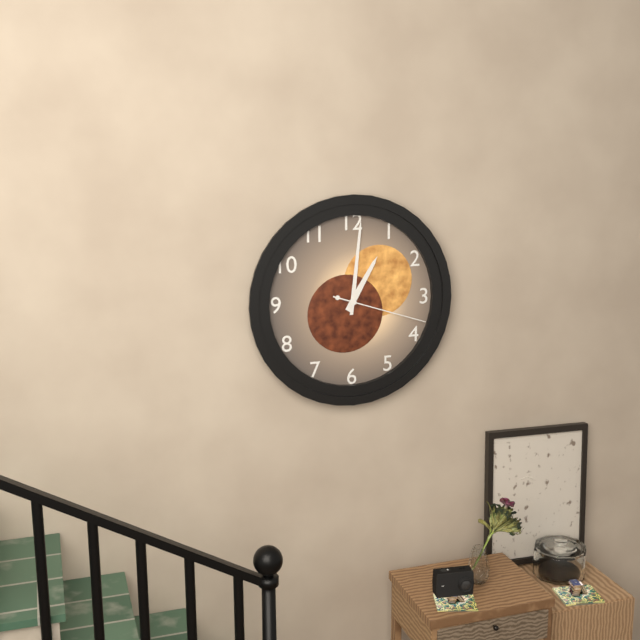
h=1 m=1 s=18
